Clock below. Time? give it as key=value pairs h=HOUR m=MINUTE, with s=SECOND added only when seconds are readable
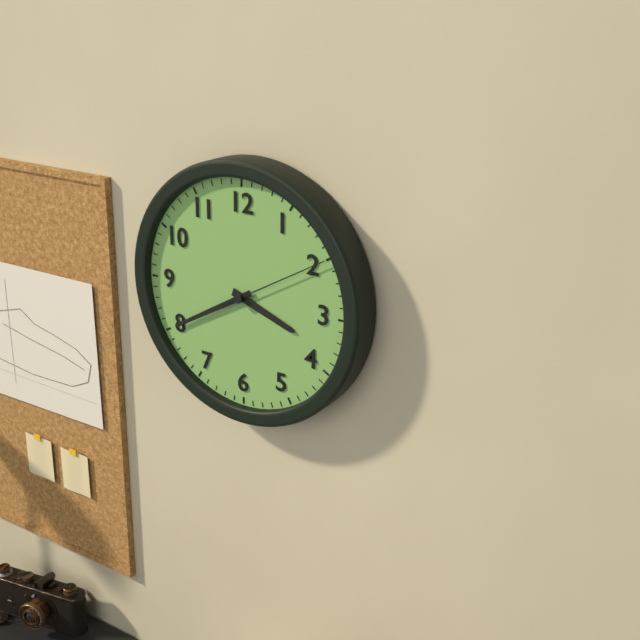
h=3 m=40 s=10
